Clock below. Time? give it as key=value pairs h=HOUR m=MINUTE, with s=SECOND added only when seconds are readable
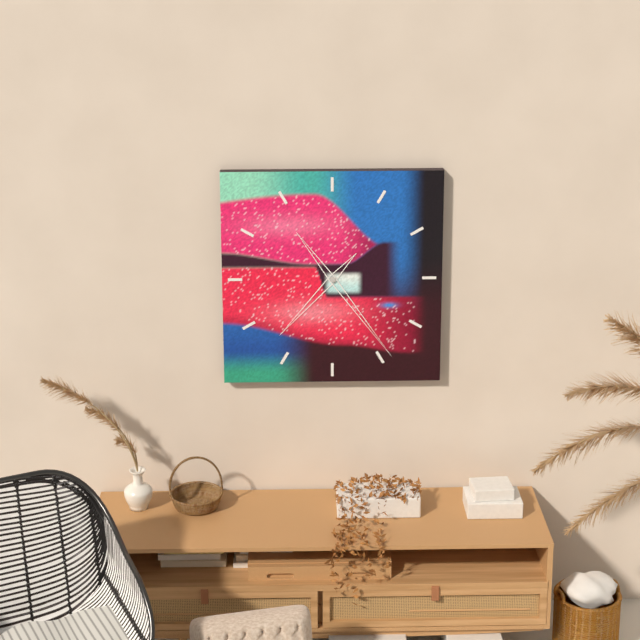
h=7 m=24
